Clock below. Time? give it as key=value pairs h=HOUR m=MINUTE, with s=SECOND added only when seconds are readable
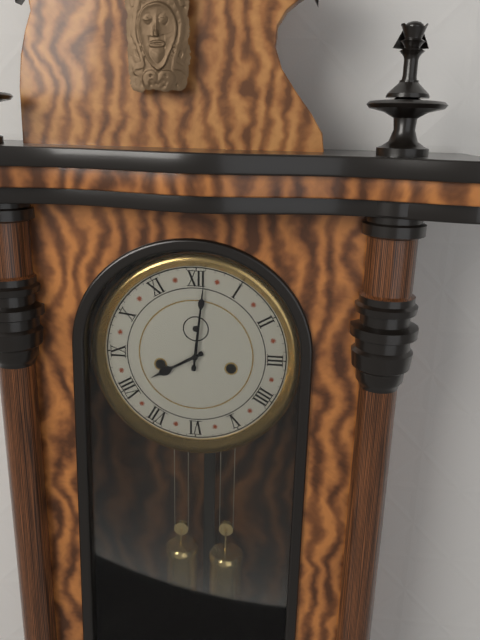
h=8 m=1
